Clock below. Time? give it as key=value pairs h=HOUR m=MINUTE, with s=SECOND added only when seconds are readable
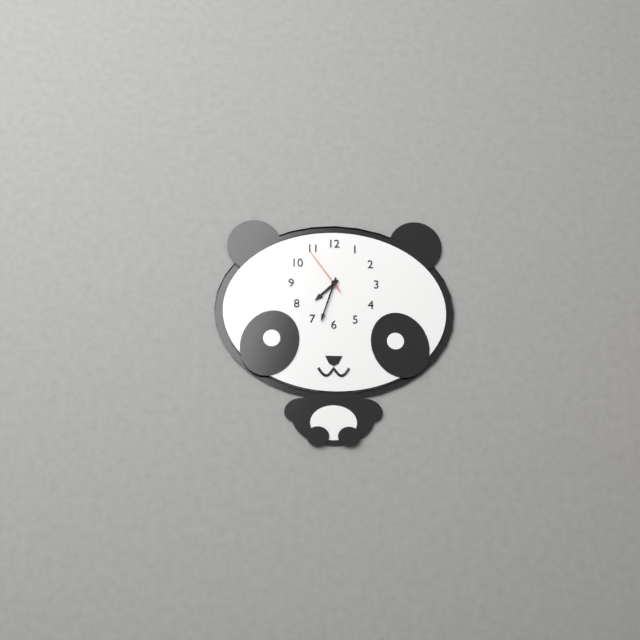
h=7 m=33
